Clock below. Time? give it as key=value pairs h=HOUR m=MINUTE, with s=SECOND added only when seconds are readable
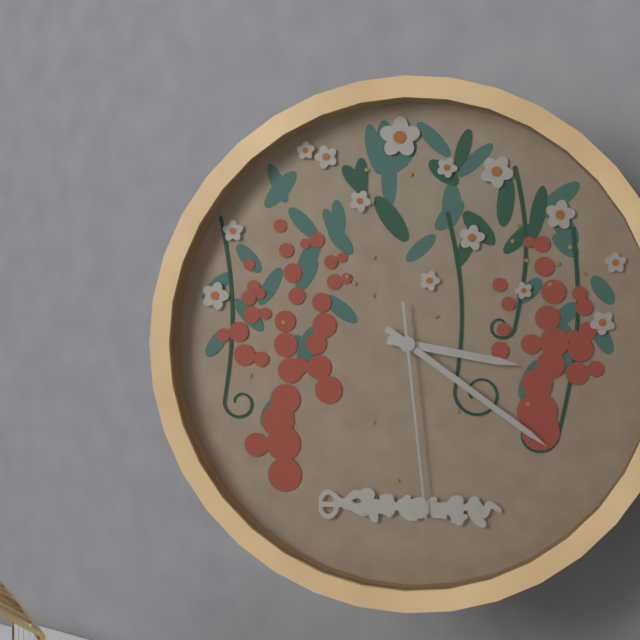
h=3 m=21 s=29
